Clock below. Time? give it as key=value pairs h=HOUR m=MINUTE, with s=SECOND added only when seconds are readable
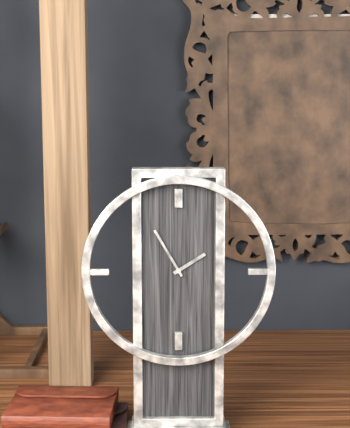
h=1 m=55
